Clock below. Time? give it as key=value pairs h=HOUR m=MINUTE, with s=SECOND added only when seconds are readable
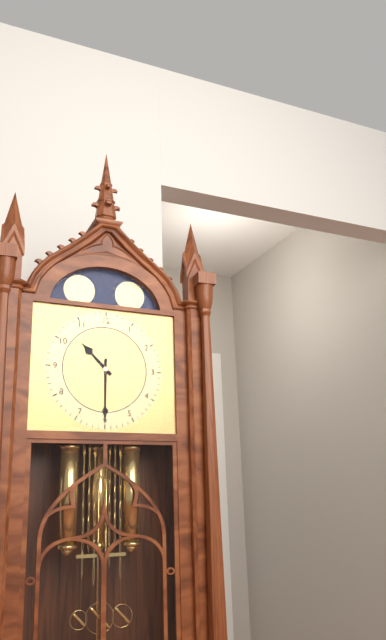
h=10 m=30
